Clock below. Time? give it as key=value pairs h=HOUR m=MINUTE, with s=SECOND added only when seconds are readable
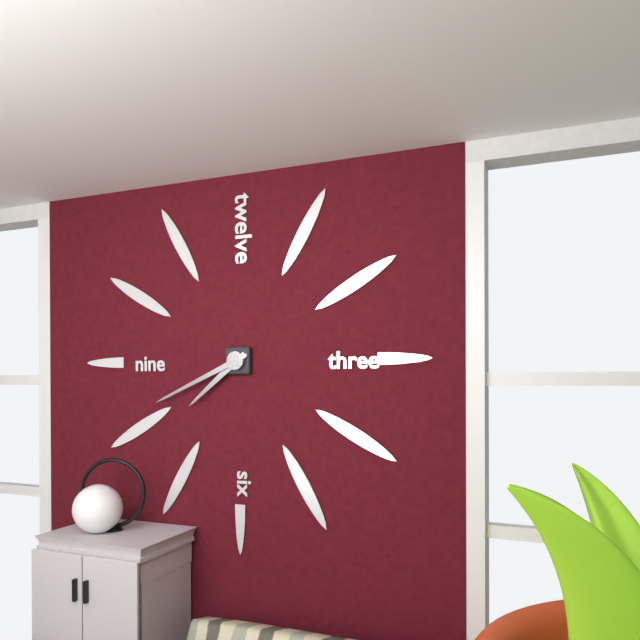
h=7 m=41
